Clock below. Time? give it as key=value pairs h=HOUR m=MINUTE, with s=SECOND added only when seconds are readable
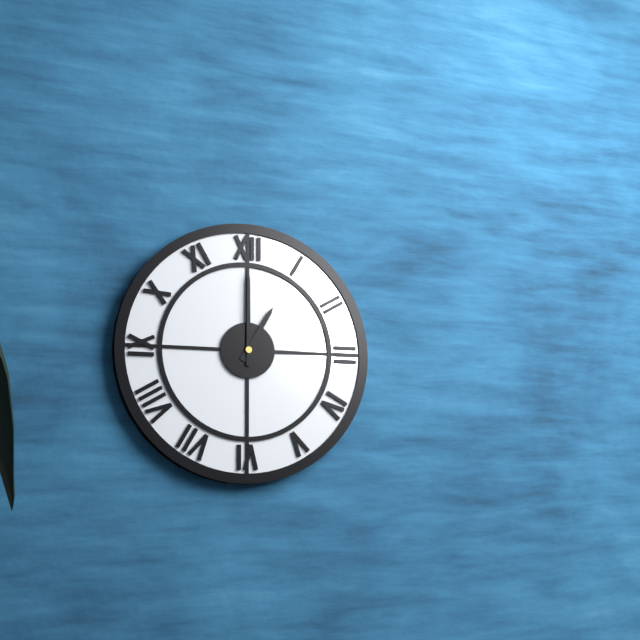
h=1 m=0
